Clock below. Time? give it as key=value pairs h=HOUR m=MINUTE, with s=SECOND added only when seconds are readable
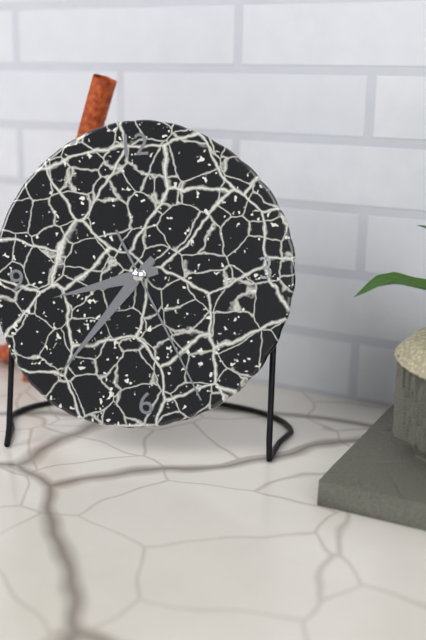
h=8 m=37 s=26
